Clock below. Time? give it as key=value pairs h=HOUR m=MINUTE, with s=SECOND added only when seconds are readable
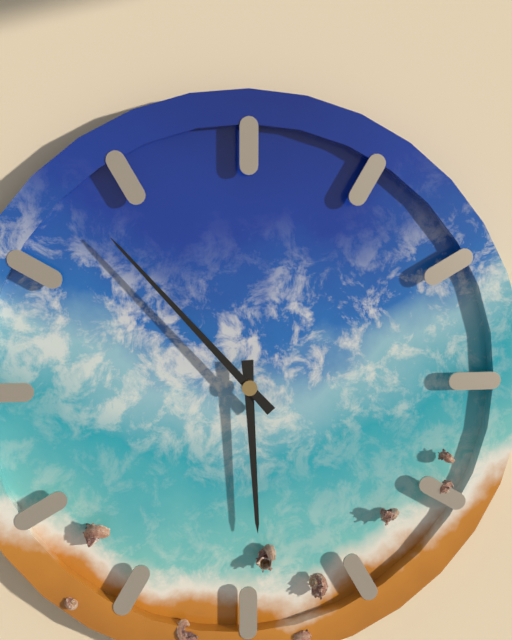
h=5 m=53
